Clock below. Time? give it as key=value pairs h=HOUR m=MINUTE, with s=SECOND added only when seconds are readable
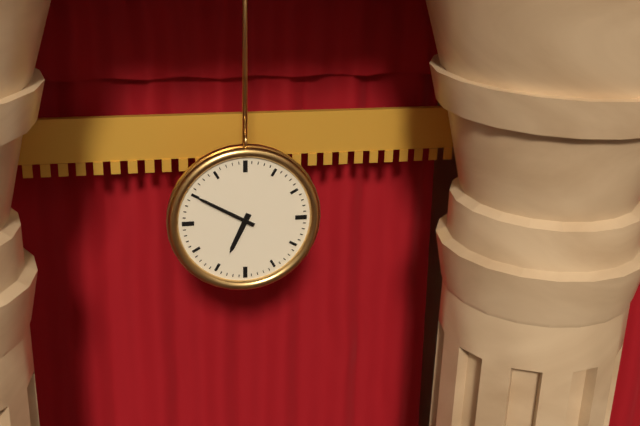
h=6 m=50
